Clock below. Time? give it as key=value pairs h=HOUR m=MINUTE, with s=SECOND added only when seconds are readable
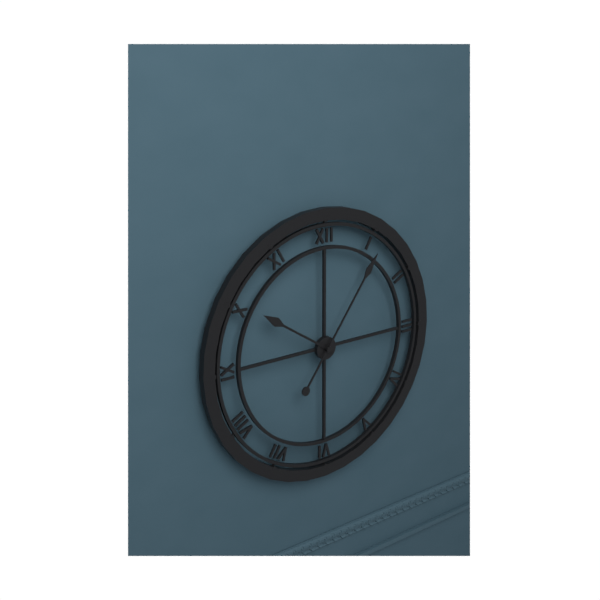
h=10 m=6
